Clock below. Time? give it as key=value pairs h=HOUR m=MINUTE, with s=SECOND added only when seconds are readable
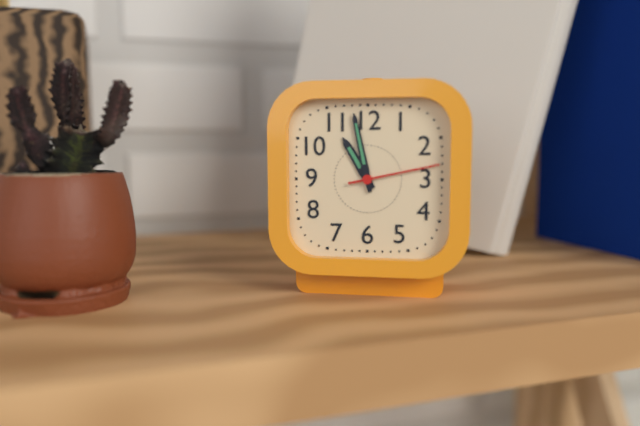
h=10 m=58 s=13
